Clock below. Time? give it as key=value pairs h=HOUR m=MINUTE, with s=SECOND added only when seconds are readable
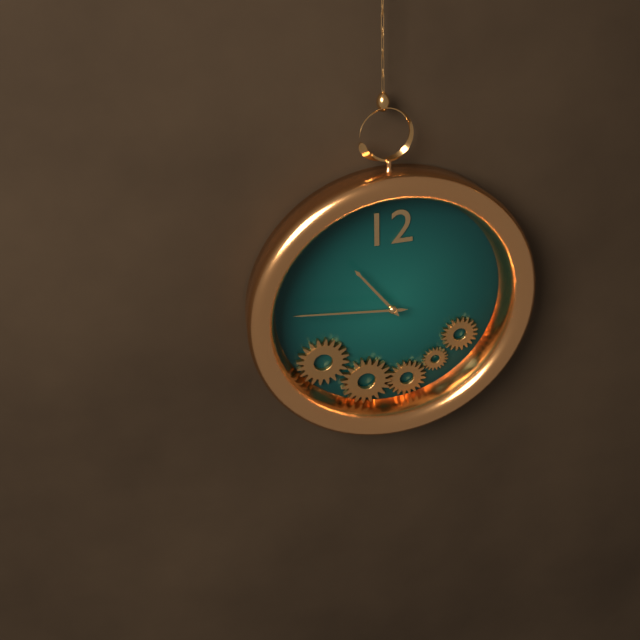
h=10 m=46
